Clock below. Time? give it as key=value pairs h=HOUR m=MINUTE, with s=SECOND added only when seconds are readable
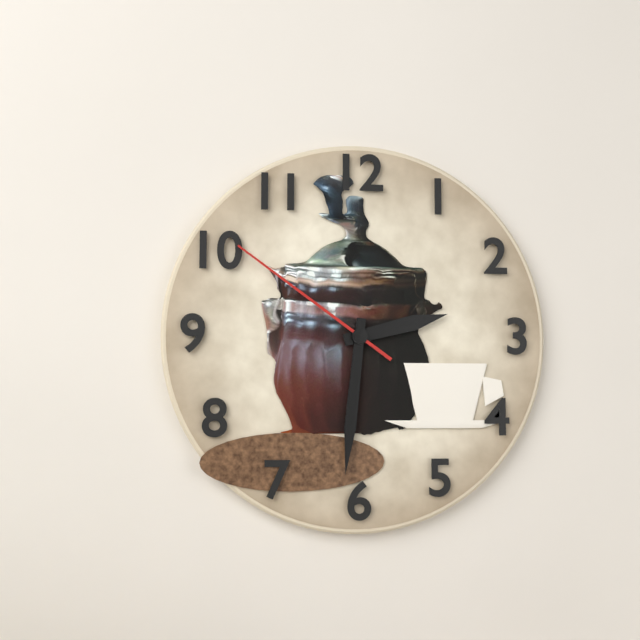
h=2 m=31 s=51
